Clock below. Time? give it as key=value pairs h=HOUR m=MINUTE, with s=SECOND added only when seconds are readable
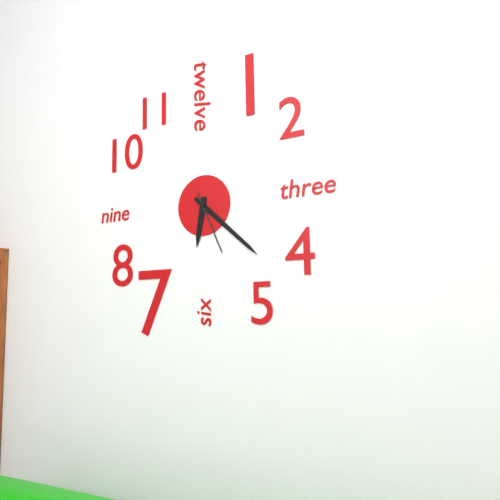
h=6 m=22 s=26
